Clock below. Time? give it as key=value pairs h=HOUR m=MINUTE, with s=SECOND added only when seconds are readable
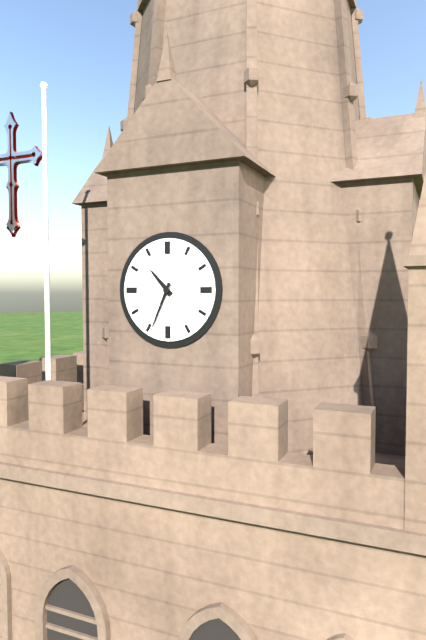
h=10 m=34
